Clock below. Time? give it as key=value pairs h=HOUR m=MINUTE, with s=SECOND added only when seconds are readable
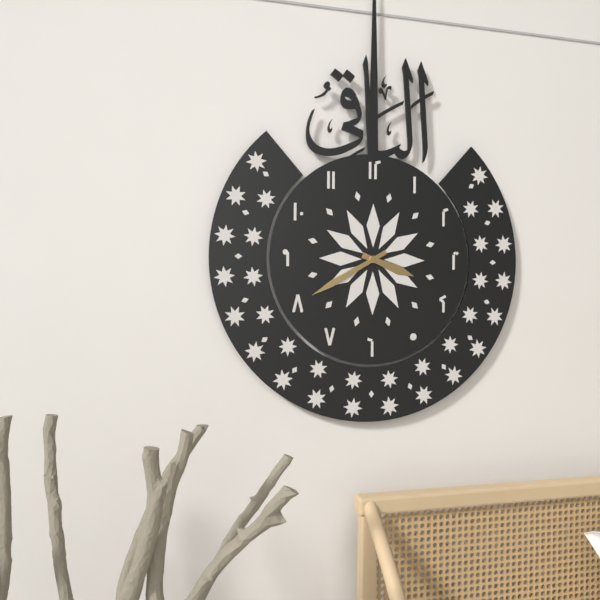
h=3 m=40
